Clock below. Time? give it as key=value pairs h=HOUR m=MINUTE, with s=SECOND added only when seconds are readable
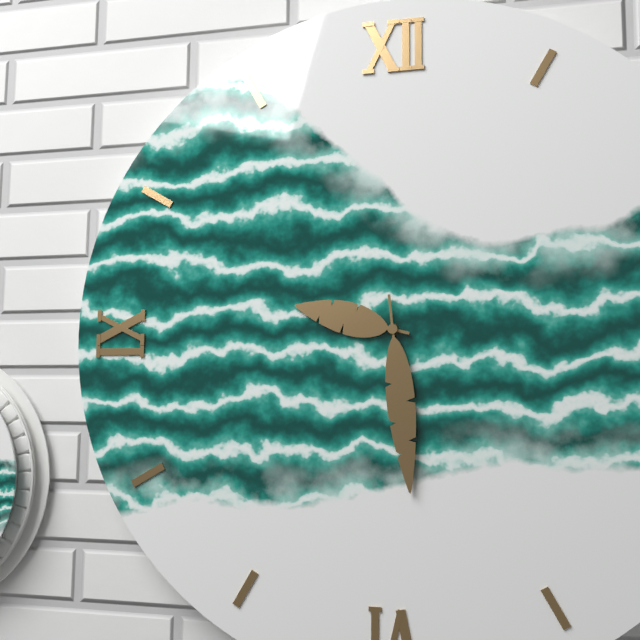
h=9 m=29
